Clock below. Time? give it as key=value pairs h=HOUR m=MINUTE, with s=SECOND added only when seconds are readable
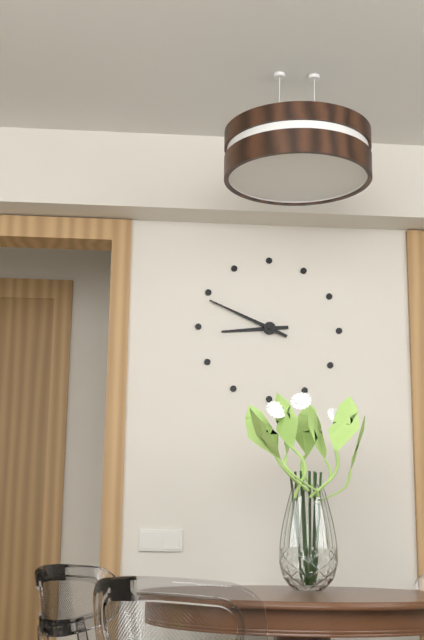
h=8 m=49
